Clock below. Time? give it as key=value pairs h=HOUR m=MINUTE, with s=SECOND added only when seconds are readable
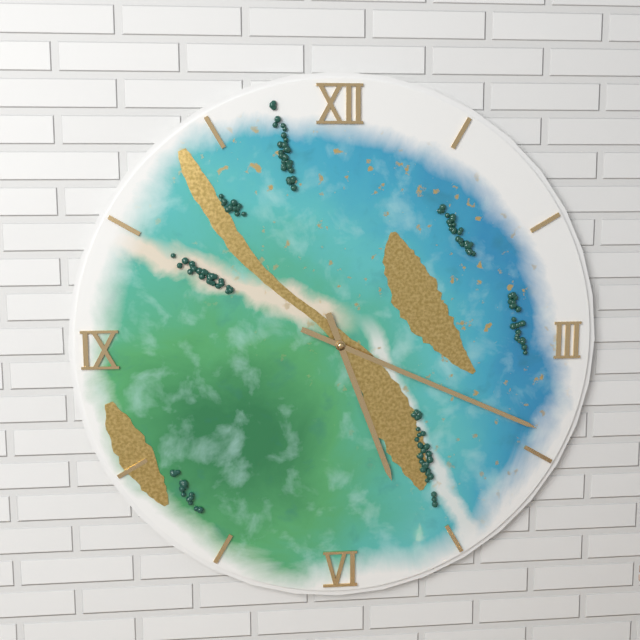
h=5 m=19
